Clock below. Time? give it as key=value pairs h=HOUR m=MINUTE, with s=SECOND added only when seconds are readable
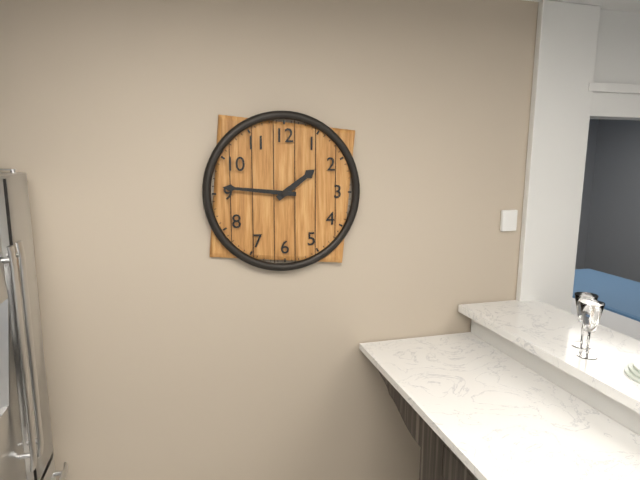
h=1 m=46
